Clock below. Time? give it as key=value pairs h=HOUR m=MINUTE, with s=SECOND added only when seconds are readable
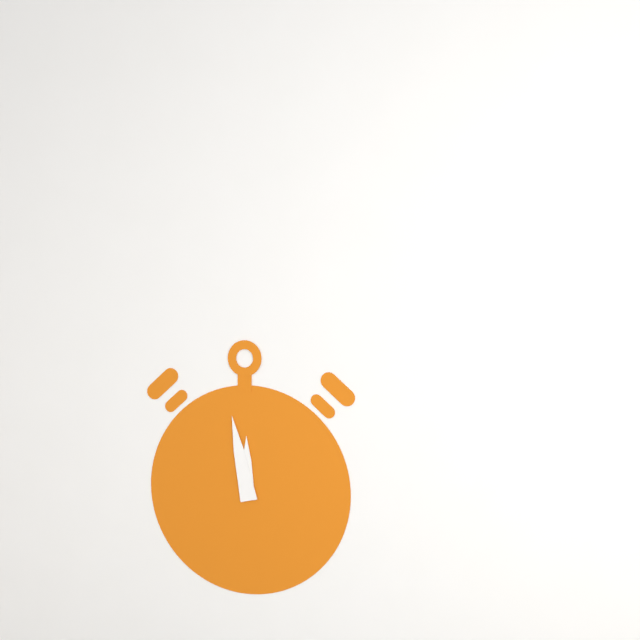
h=11 m=58
